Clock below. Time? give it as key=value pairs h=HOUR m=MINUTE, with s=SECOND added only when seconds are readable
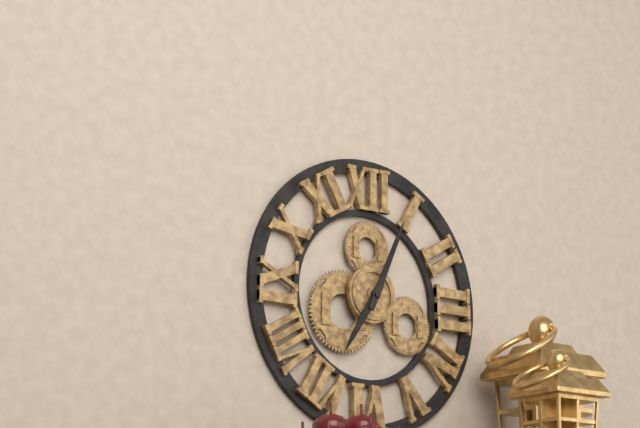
h=7 m=4
